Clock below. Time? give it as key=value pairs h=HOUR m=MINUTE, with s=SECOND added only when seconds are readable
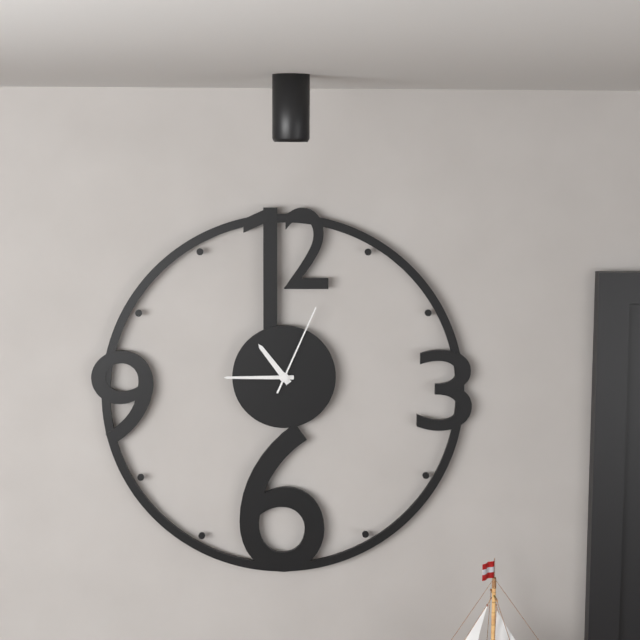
h=10 m=45 s=4
